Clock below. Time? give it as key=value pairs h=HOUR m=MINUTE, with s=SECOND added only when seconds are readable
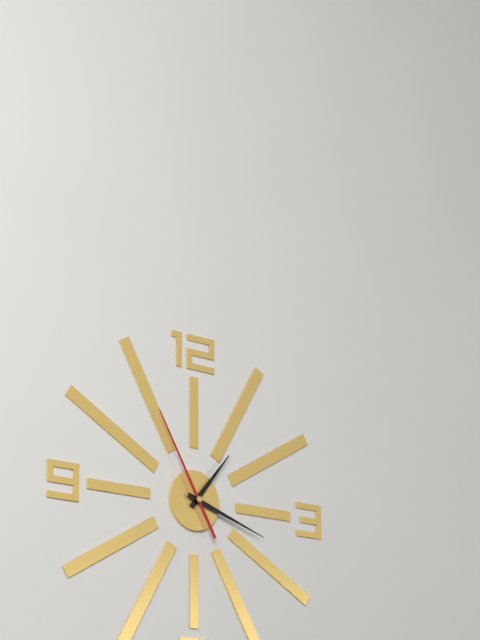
h=1 m=18 s=55
